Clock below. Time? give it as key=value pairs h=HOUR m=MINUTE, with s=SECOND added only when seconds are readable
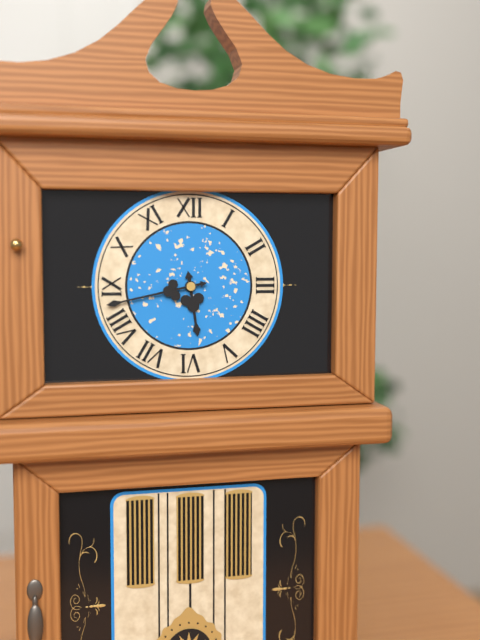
h=5 m=43
